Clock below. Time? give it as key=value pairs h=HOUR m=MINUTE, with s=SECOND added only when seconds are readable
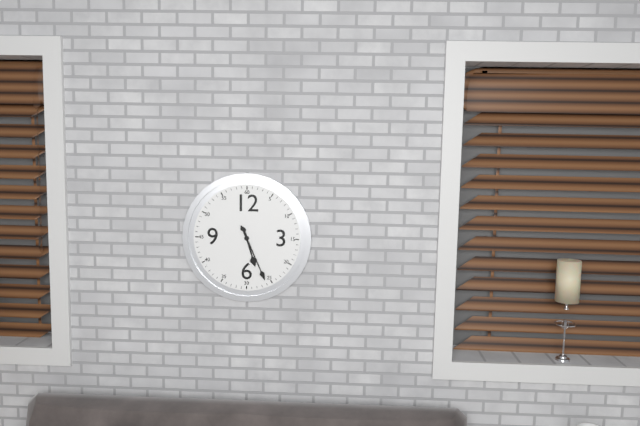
h=5 m=26
